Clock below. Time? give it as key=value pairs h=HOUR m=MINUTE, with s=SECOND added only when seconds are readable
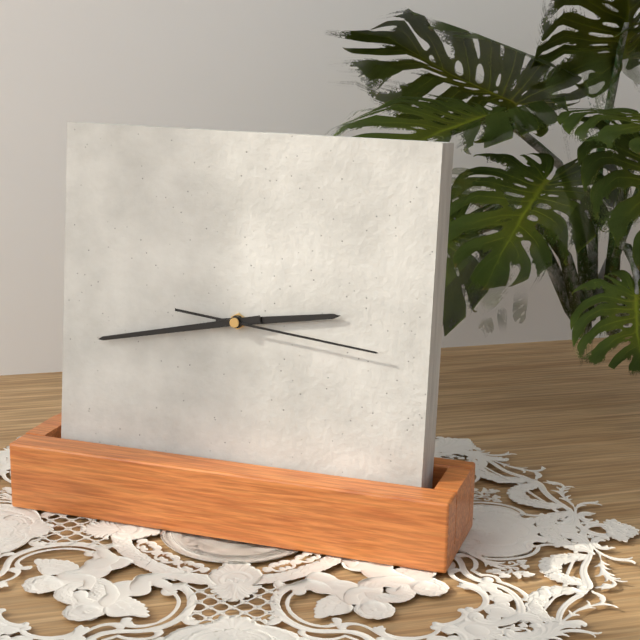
h=2 m=43 s=16
